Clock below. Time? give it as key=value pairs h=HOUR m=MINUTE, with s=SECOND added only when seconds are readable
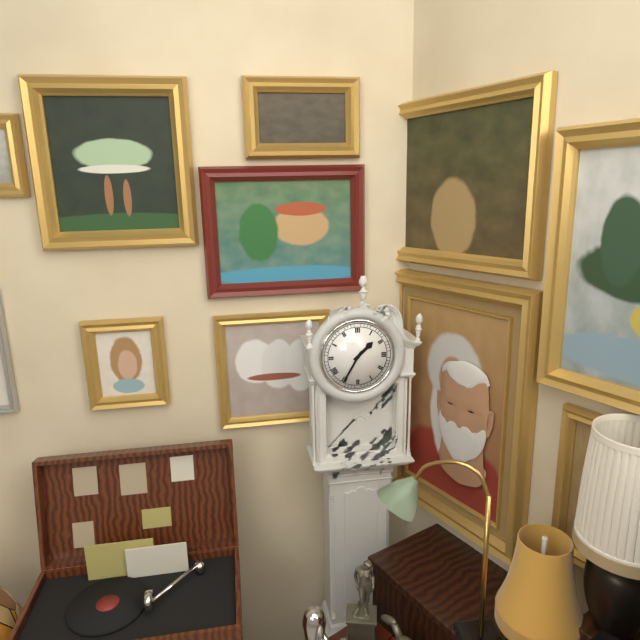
h=1 m=35
